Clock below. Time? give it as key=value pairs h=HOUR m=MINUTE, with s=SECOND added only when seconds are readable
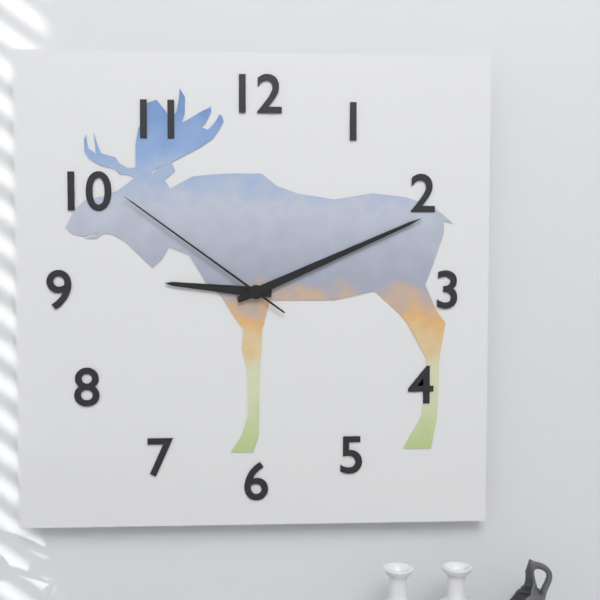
h=9 m=11 s=51
